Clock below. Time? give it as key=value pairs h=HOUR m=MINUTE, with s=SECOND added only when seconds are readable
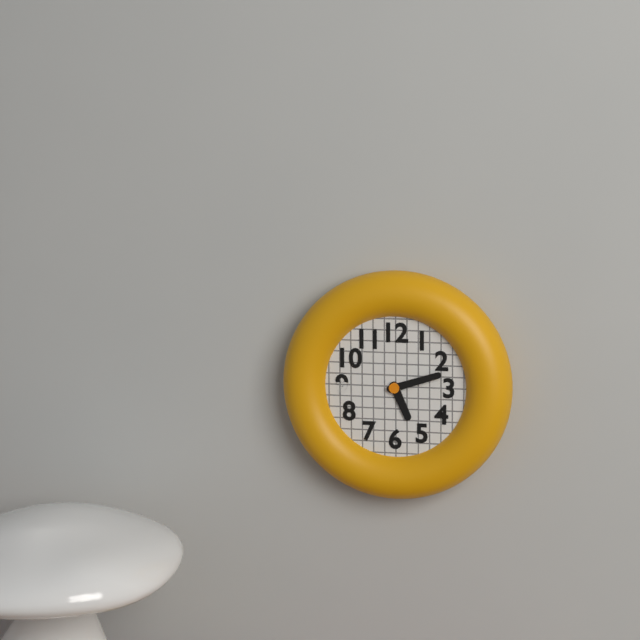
h=5 m=12
